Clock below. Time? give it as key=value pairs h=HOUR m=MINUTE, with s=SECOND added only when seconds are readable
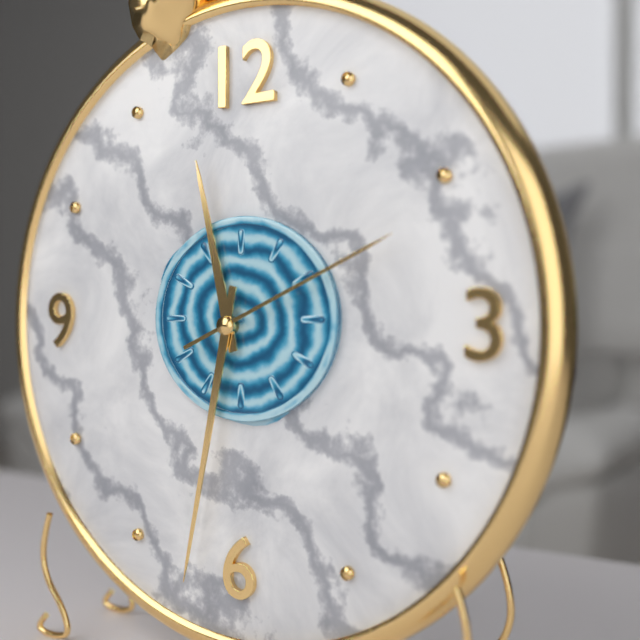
h=11 m=32 s=11
